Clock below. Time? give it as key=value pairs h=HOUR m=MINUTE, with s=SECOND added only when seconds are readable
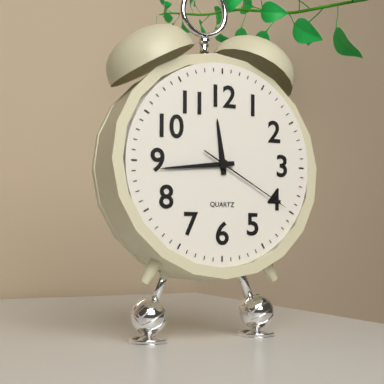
h=11 m=44 s=20
